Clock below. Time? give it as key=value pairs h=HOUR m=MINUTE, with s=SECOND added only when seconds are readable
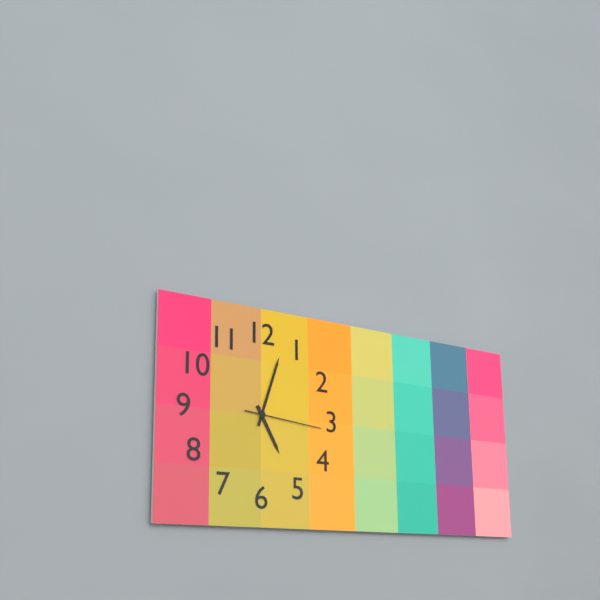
h=5 m=3 s=16
